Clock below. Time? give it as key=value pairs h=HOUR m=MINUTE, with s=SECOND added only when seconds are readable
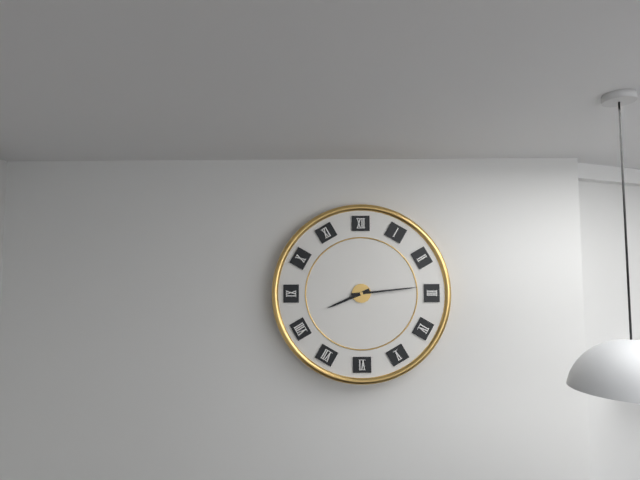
h=8 m=14
